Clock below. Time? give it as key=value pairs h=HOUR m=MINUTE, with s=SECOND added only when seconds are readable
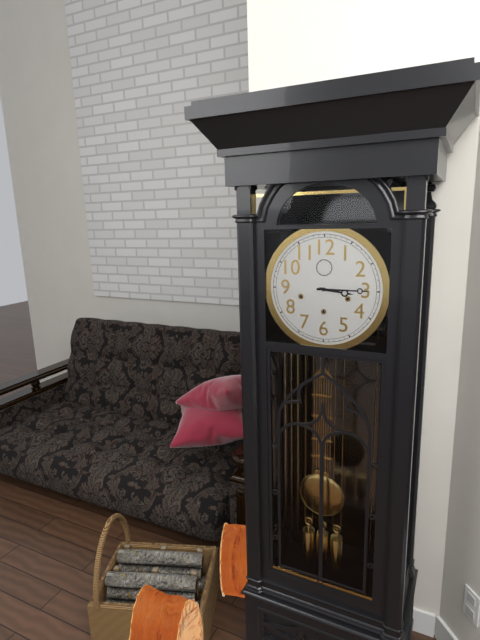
h=3 m=15
